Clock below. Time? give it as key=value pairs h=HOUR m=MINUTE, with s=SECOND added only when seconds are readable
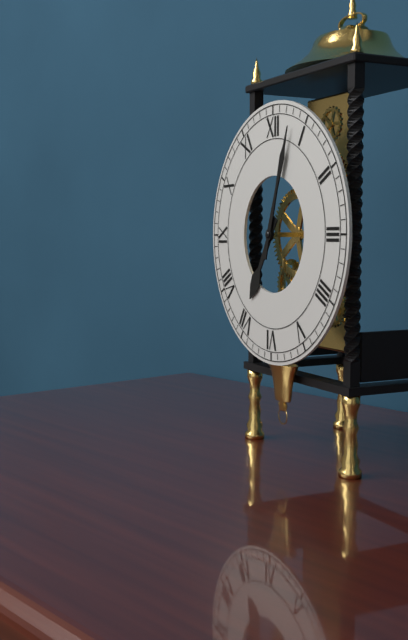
h=7 m=3
